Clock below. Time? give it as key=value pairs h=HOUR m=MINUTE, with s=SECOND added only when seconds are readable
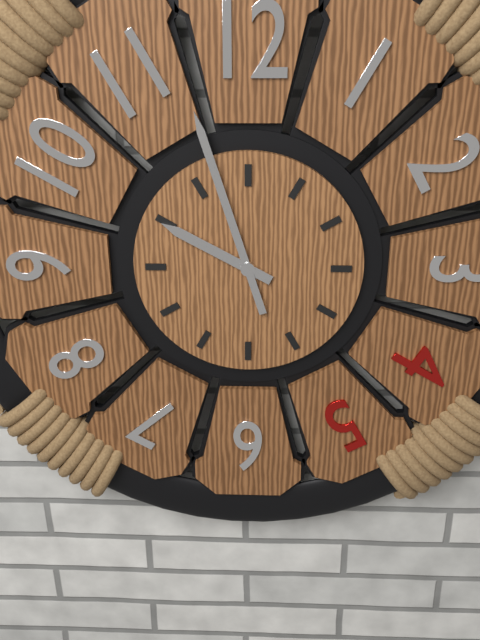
h=9 m=57
